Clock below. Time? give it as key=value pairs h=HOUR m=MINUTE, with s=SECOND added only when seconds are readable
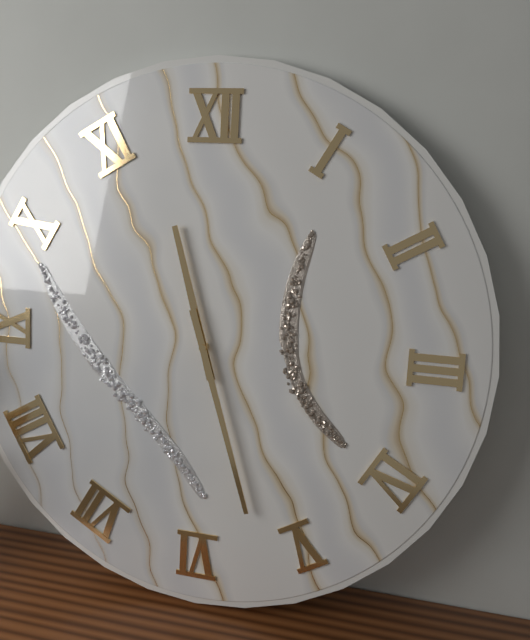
h=11 m=27
